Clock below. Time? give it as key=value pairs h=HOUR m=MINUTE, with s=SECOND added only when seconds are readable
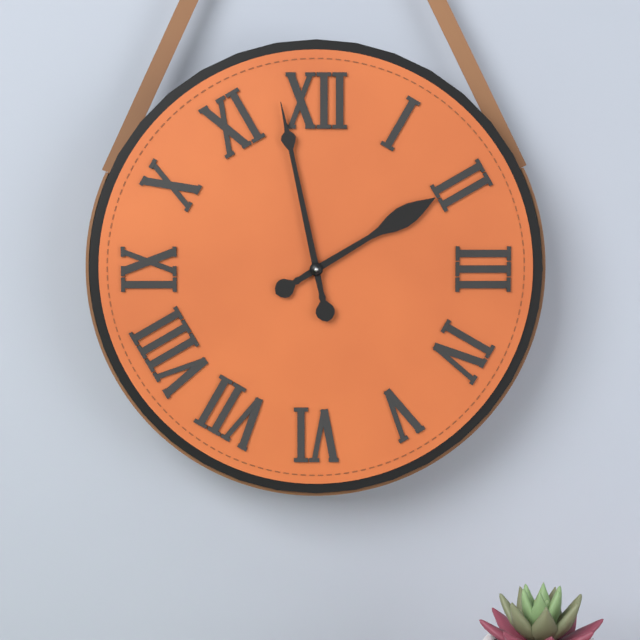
h=1 m=58
